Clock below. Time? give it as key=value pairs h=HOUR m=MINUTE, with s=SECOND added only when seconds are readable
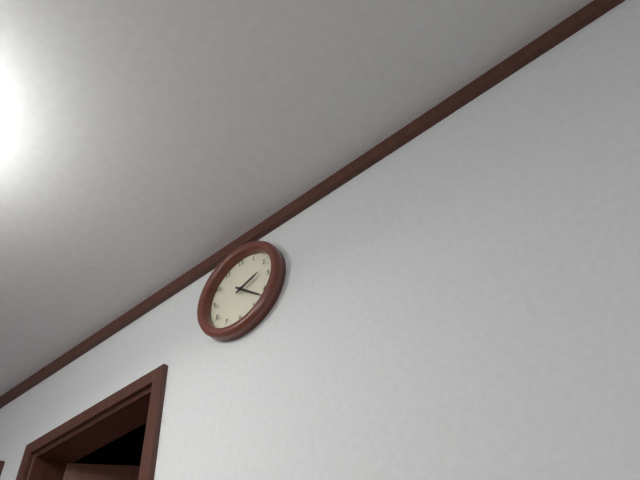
h=2 m=22
